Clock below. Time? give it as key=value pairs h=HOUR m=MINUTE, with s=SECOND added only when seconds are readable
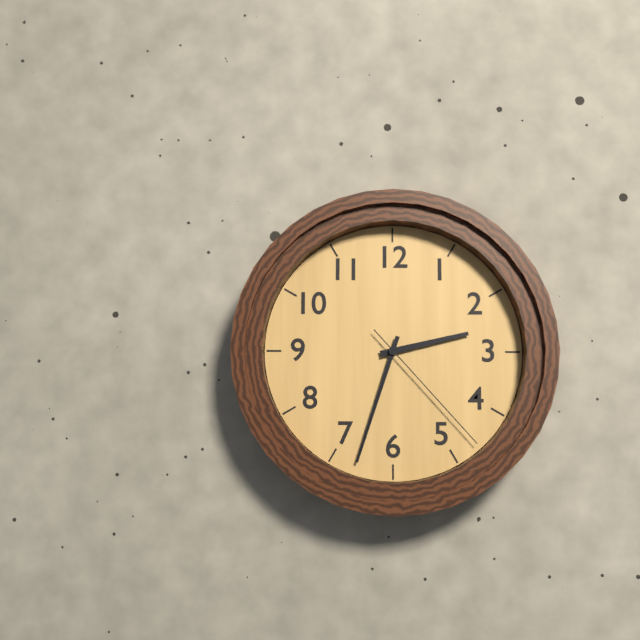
h=2 m=33 s=23
